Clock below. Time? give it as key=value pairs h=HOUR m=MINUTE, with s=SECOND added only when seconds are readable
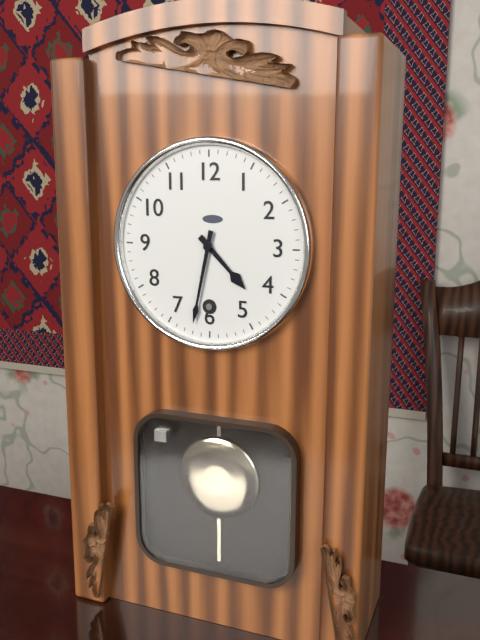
h=4 m=32
